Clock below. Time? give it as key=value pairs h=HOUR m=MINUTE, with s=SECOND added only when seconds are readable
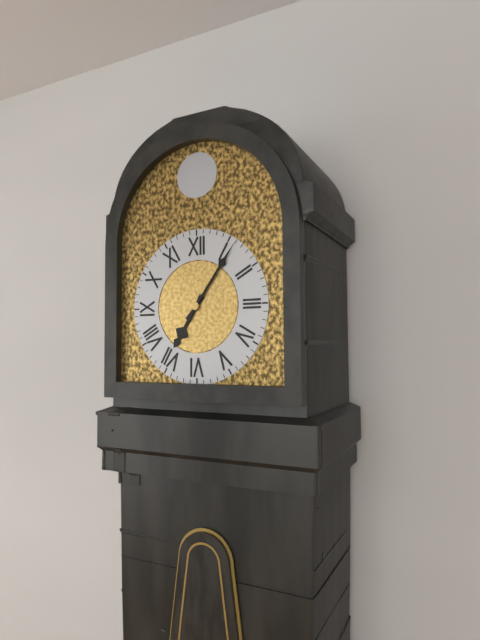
h=7 m=6
